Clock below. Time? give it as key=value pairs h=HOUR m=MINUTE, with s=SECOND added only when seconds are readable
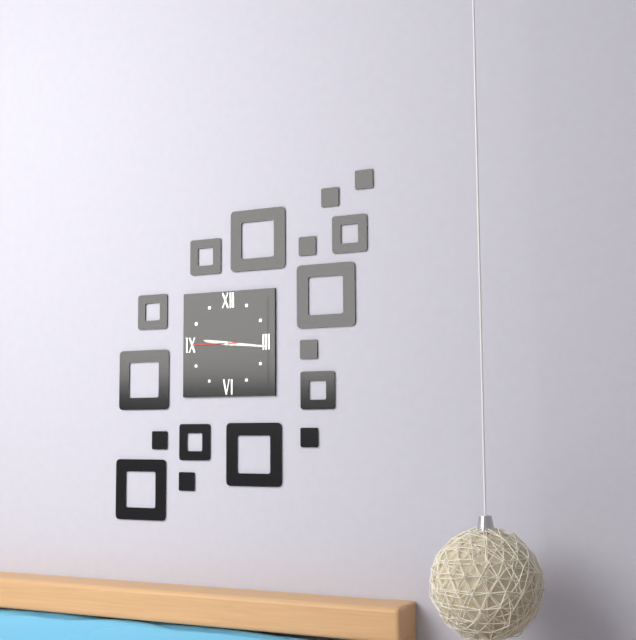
h=9 m=16
